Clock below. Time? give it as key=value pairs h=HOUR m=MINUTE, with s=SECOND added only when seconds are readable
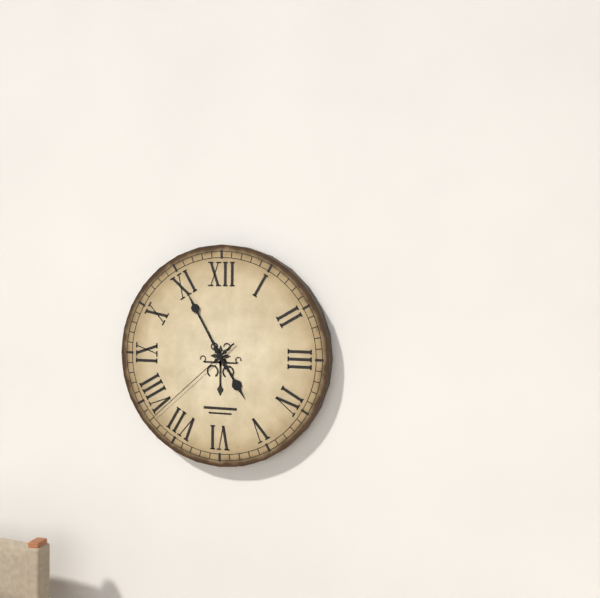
h=4 m=55 s=38
